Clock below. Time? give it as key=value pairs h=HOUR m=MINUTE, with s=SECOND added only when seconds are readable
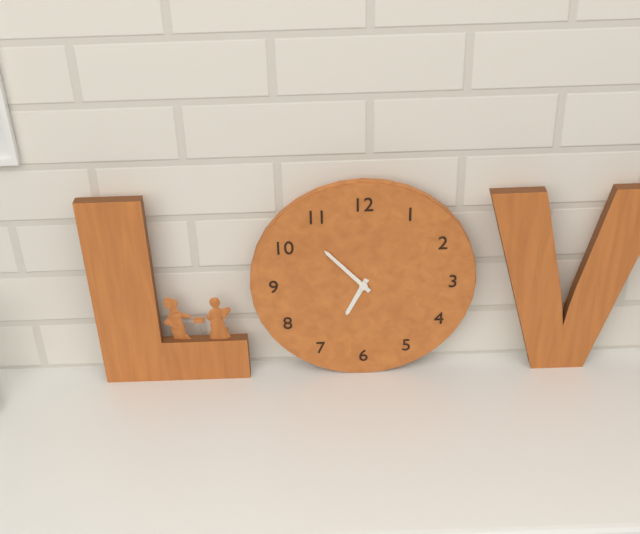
h=6 m=53
